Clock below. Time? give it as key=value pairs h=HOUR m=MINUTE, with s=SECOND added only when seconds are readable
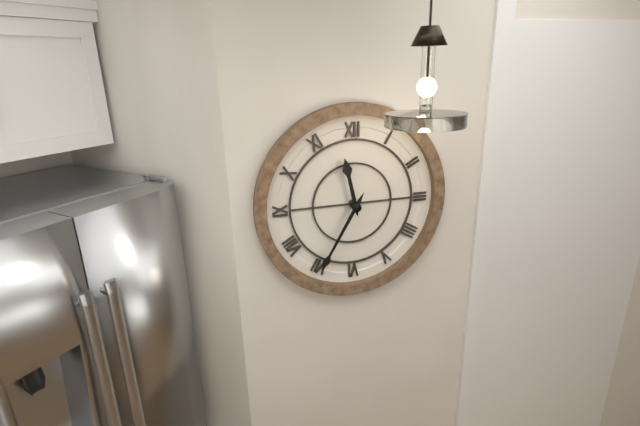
h=11 m=35
